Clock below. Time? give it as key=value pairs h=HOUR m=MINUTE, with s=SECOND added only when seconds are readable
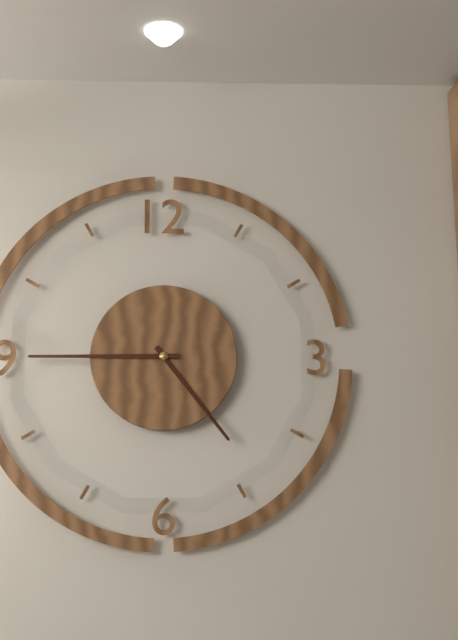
h=4 m=45
